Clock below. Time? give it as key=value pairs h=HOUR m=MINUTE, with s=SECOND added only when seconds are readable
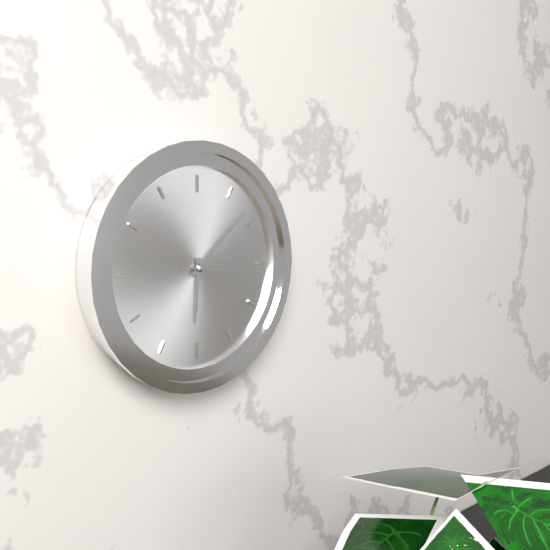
h=6 m=8 s=16
